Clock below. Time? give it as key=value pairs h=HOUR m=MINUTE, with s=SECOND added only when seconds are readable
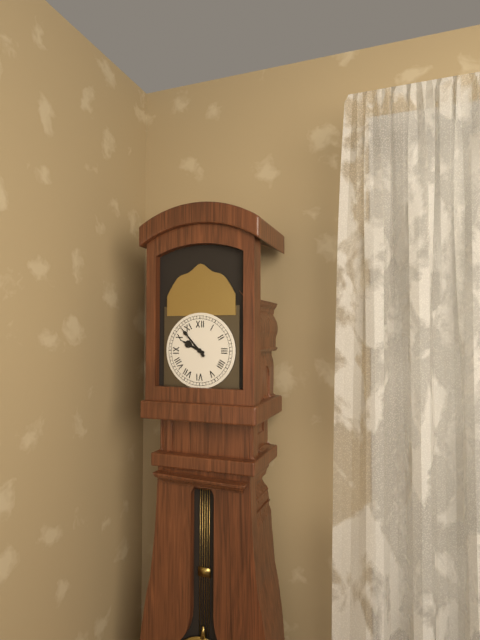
h=9 m=53
